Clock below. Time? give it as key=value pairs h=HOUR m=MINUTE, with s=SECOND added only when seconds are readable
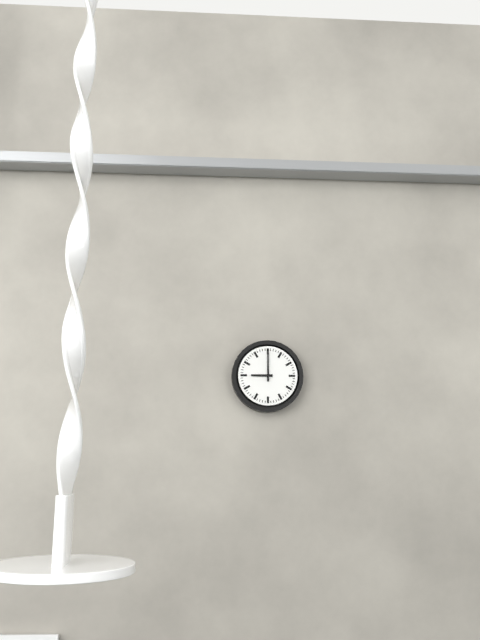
h=9 m=0
